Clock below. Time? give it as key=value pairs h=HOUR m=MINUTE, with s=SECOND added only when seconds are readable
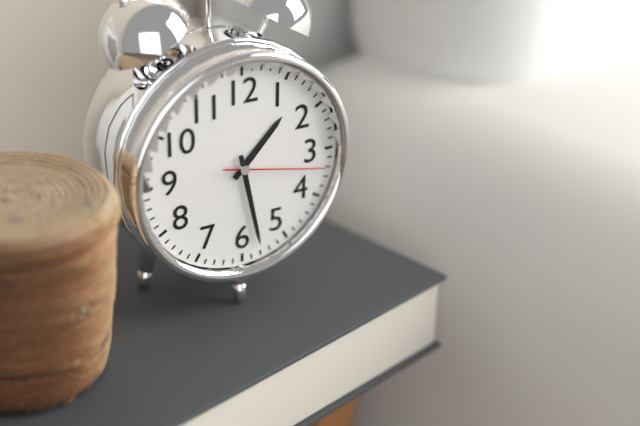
h=1 m=28 s=17
